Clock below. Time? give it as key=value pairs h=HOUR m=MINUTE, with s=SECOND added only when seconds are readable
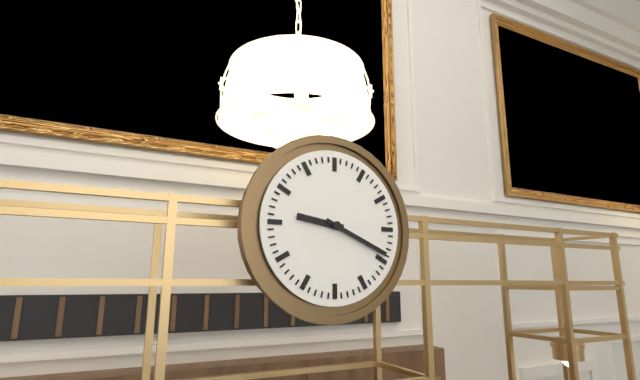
h=9 m=19
